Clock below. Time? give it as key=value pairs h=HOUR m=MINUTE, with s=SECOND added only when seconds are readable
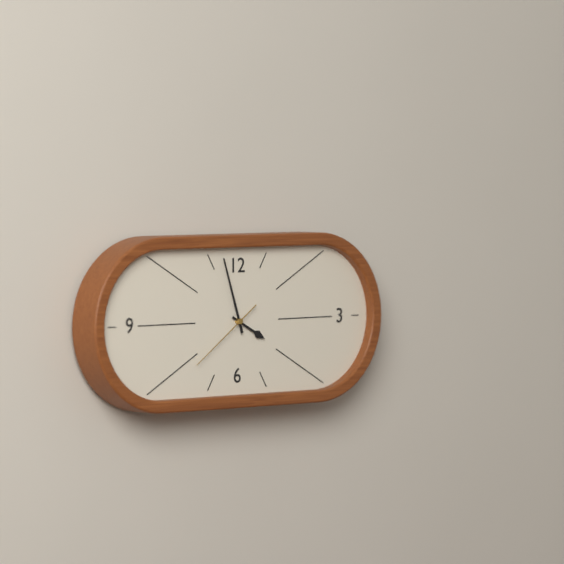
h=3 m=57 s=39
